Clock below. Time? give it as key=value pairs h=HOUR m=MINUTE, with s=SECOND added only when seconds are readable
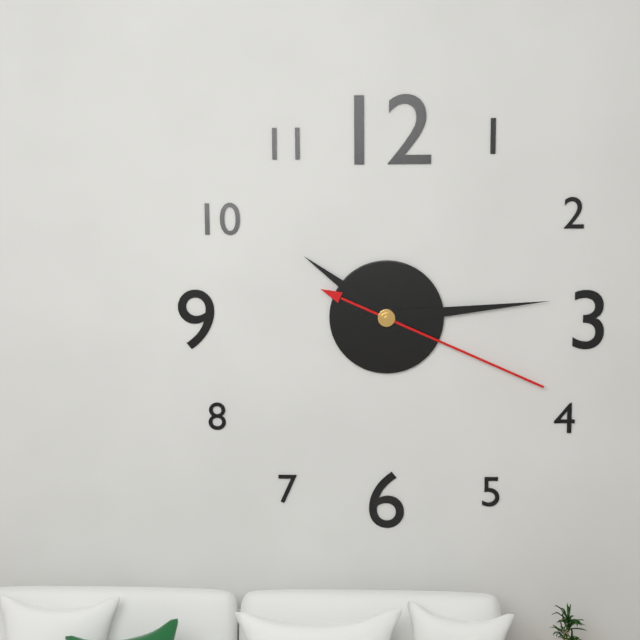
h=10 m=14 s=19
